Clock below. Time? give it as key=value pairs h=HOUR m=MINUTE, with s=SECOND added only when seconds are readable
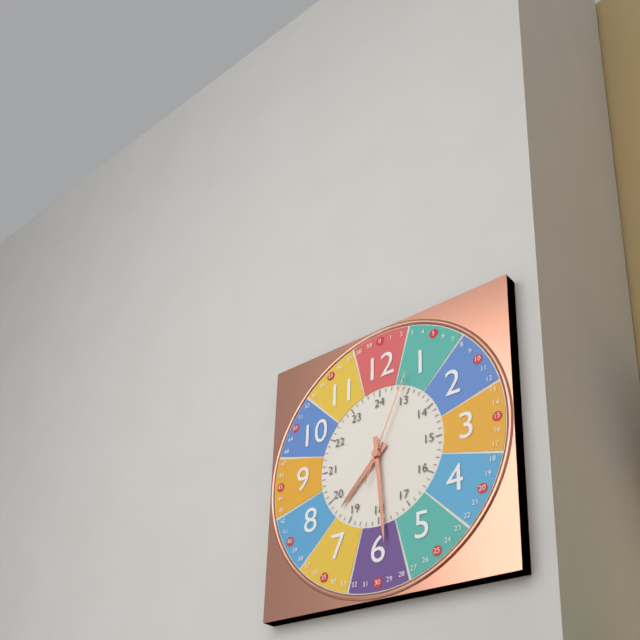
h=7 m=29 s=4
